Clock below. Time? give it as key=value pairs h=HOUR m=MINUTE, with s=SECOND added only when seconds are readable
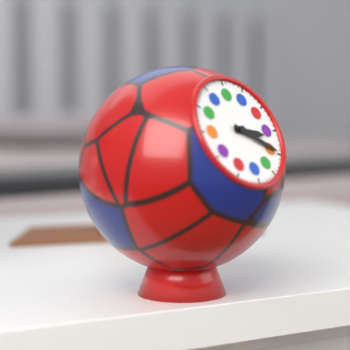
h=3 m=20
